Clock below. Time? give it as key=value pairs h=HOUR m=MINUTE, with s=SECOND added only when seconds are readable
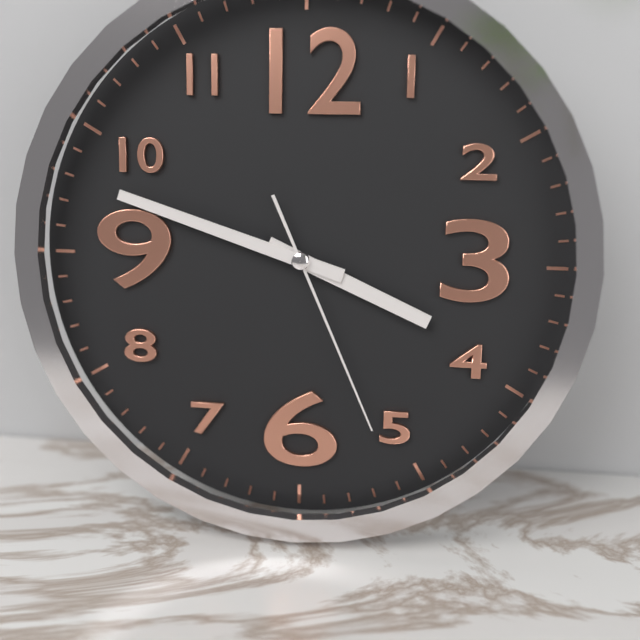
h=3 m=48 s=26
